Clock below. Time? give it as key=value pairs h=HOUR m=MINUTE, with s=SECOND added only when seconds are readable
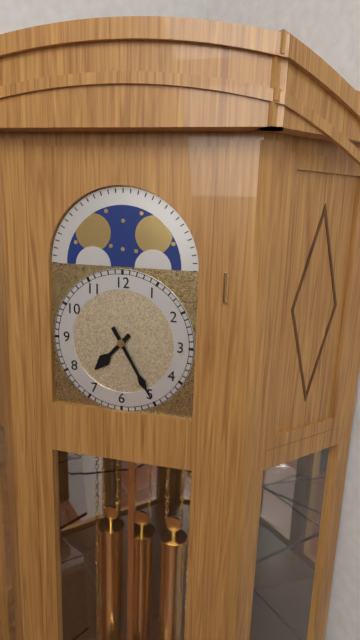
h=7 m=25
